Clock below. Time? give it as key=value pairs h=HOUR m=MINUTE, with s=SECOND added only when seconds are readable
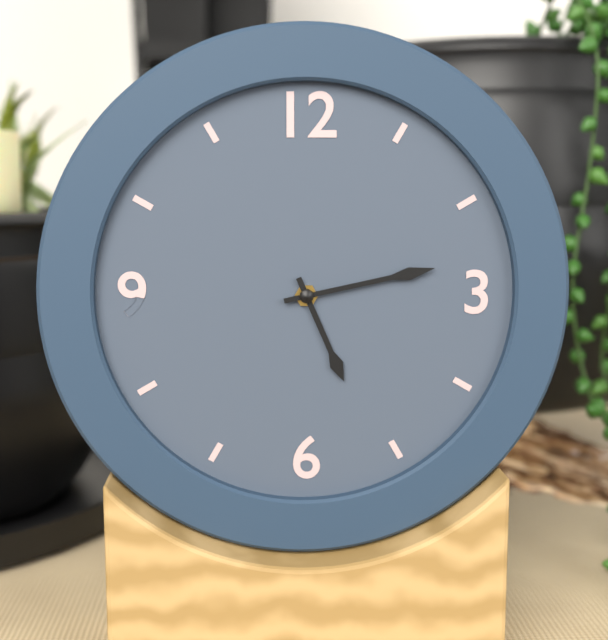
h=5 m=13
